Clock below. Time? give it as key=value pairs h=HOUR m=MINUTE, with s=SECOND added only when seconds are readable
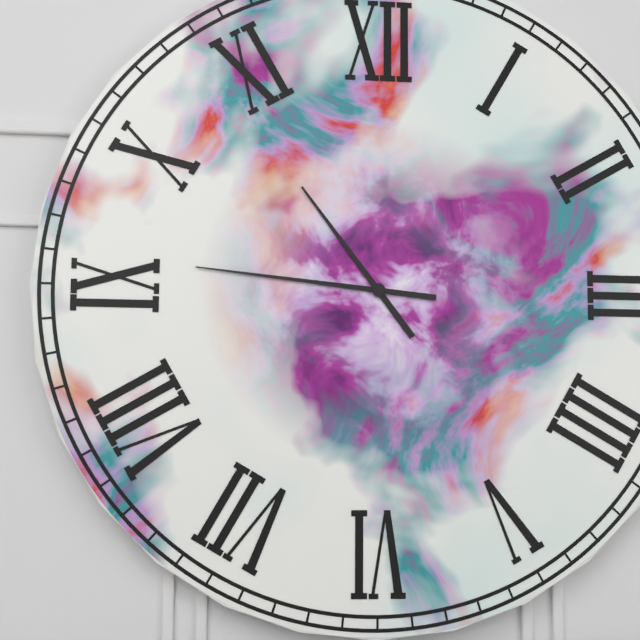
h=10 m=46
